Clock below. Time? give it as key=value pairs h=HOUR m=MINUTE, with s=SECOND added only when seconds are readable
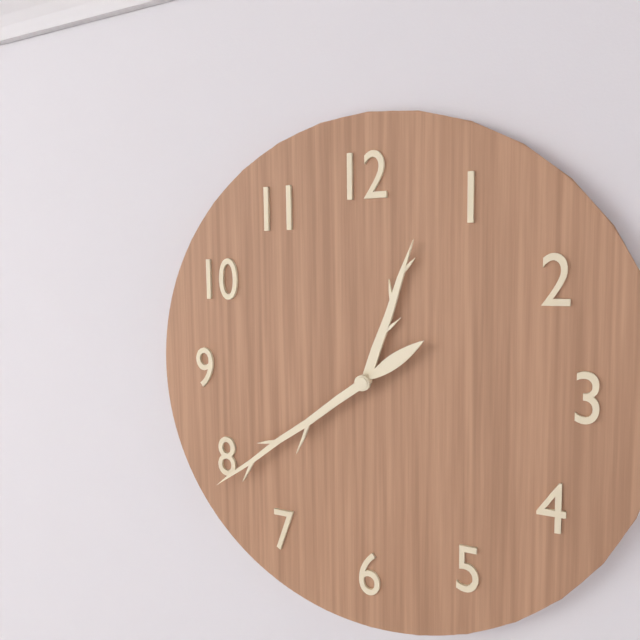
h=12 m=39
